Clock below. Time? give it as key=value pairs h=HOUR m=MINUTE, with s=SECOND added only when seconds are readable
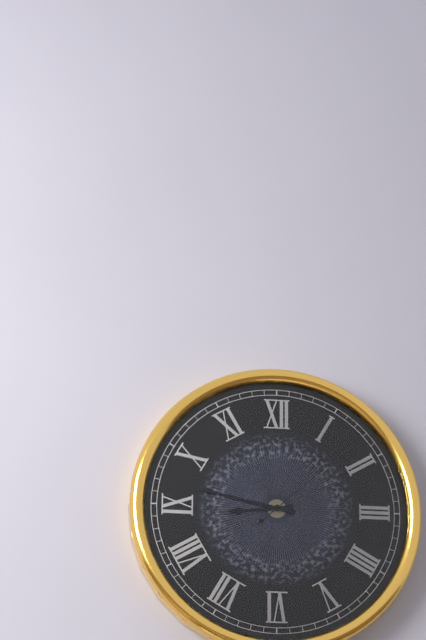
h=8 m=47 s=8
